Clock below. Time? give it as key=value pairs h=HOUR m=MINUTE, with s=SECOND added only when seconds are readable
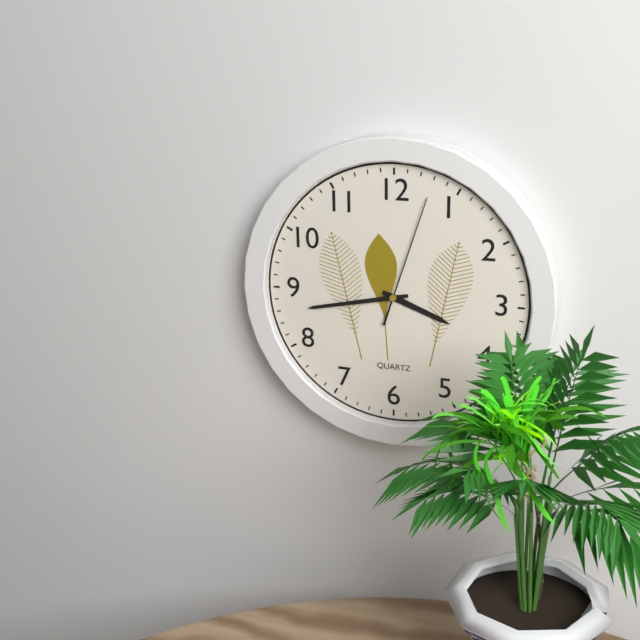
h=3 m=43 s=3
